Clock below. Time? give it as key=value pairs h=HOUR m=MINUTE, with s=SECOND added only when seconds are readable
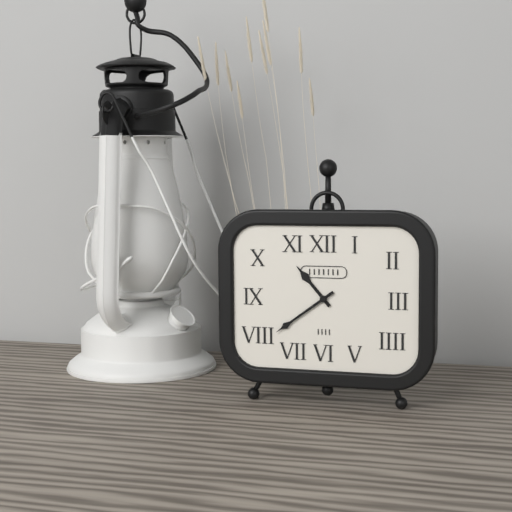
h=10 m=39
